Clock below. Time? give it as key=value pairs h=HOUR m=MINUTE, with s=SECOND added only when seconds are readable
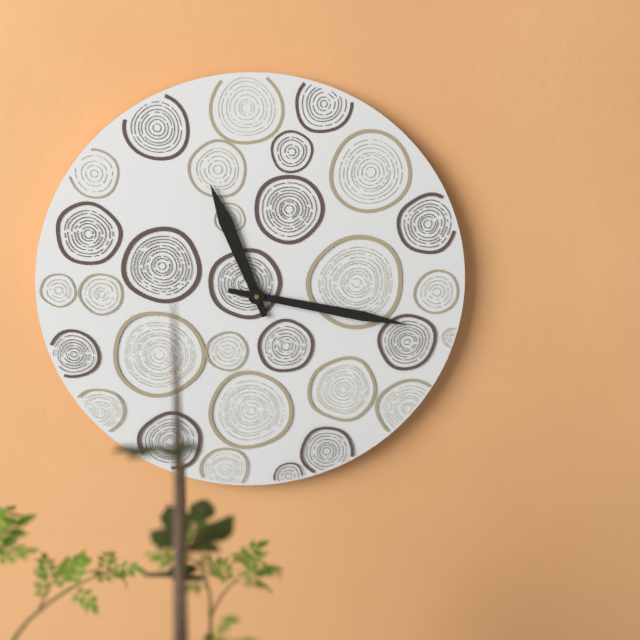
h=11 m=17
